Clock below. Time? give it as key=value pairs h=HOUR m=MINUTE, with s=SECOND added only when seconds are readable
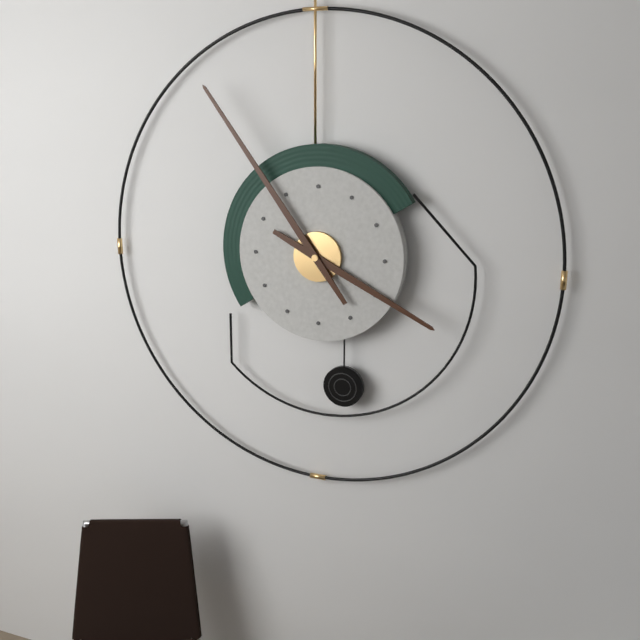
h=3 m=54
